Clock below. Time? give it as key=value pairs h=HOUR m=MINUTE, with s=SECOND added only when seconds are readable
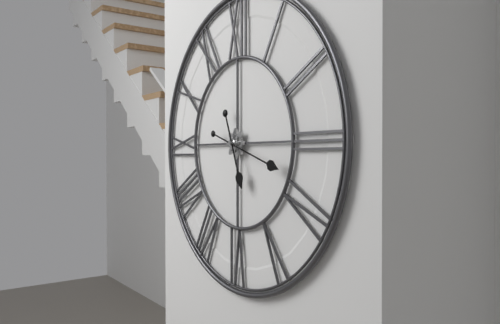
h=5 m=18
